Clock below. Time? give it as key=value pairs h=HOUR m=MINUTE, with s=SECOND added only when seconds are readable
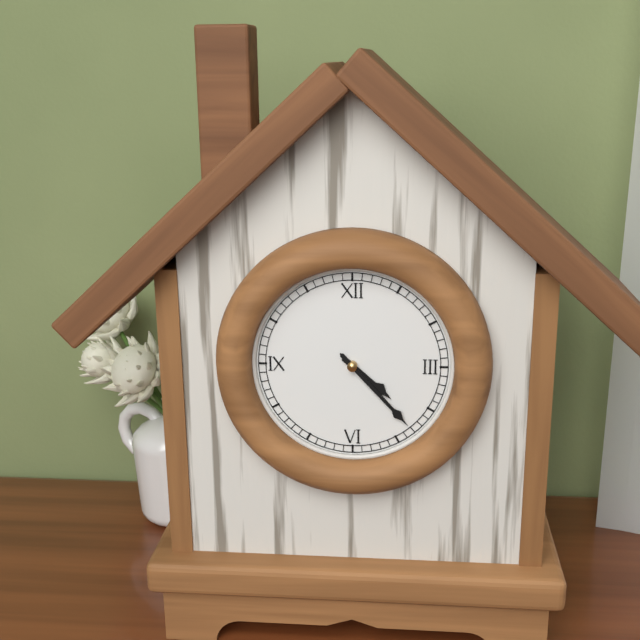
h=4 m=23
